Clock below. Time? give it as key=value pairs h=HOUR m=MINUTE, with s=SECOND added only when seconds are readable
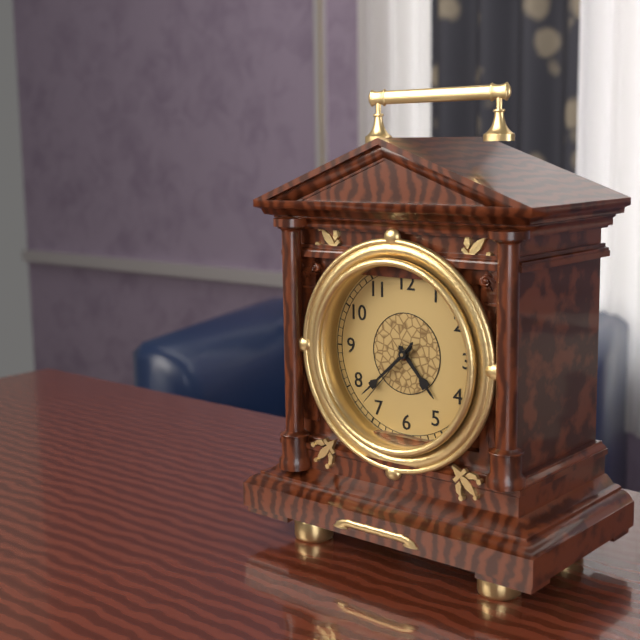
h=4 m=38 s=37
